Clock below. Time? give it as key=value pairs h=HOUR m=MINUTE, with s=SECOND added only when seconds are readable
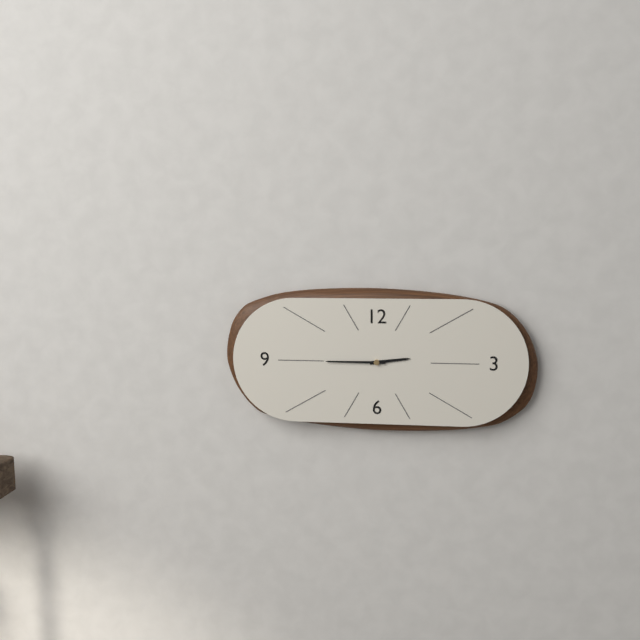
h=2 m=45
